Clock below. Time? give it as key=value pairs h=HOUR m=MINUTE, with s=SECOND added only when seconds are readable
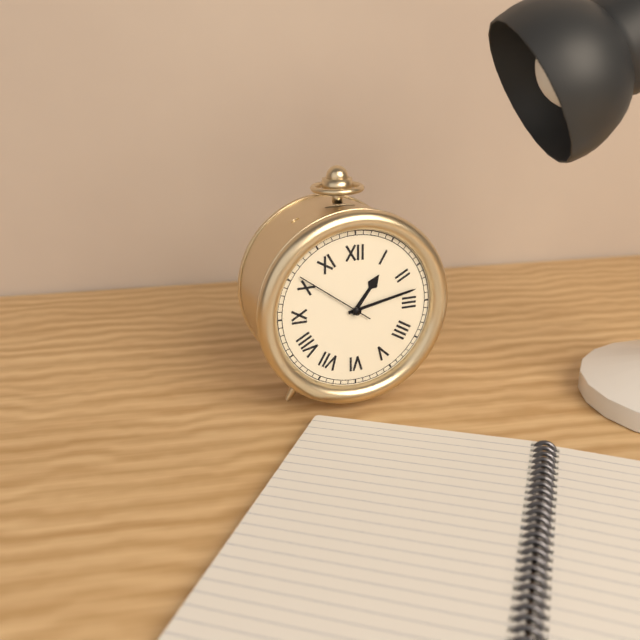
h=1 m=13 s=51
